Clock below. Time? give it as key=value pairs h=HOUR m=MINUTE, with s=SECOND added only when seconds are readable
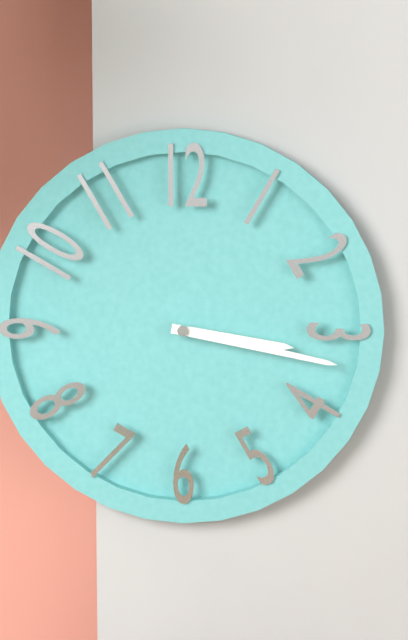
h=3 m=17
